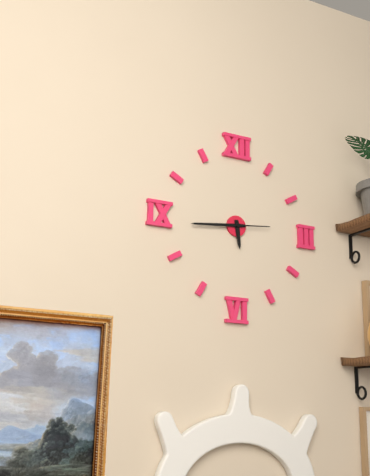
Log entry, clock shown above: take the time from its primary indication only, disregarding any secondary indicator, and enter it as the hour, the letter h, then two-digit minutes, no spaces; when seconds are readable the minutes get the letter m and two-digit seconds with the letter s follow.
5h44
